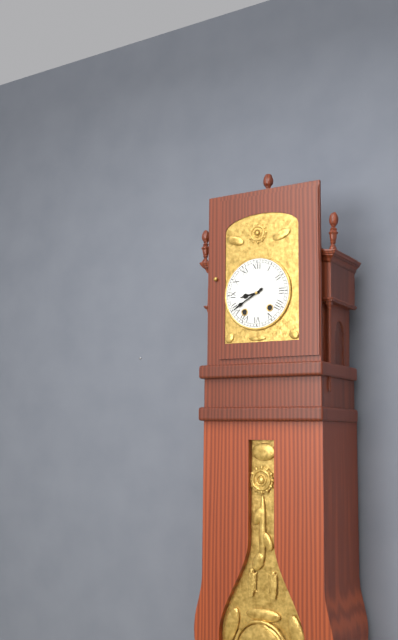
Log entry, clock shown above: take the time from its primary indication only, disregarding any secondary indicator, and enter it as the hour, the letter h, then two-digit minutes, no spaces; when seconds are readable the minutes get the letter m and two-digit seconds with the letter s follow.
8h40
